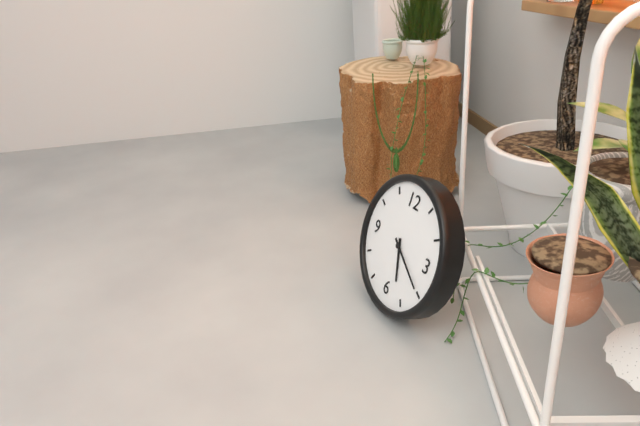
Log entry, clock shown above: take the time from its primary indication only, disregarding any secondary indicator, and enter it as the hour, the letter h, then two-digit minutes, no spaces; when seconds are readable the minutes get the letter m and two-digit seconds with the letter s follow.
5h20
